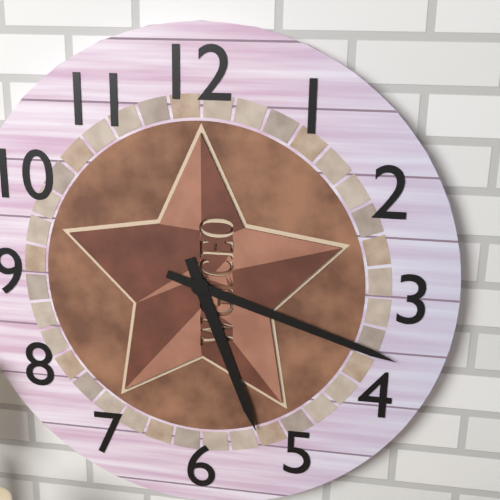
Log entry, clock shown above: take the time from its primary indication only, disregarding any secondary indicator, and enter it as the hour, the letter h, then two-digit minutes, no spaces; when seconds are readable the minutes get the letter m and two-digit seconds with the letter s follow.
5h18
